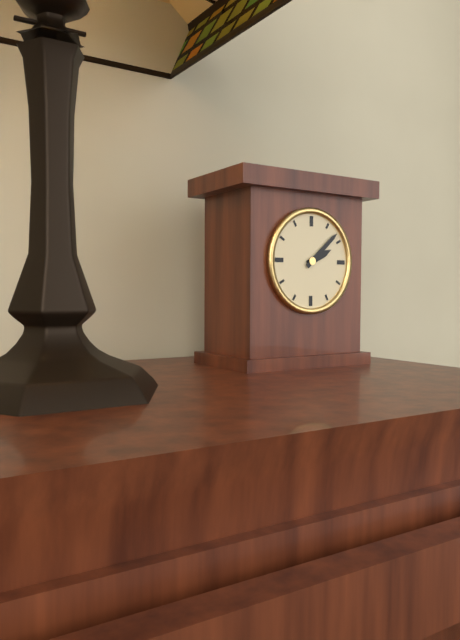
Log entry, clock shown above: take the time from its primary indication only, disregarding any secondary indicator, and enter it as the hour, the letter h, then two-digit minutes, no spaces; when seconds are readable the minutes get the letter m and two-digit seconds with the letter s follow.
2h08
